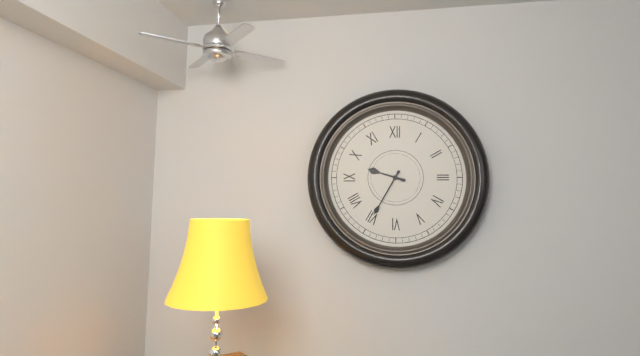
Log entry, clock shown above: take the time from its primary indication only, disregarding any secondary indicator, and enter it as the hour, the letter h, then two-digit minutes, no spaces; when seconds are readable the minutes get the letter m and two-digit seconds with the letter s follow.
9h35
